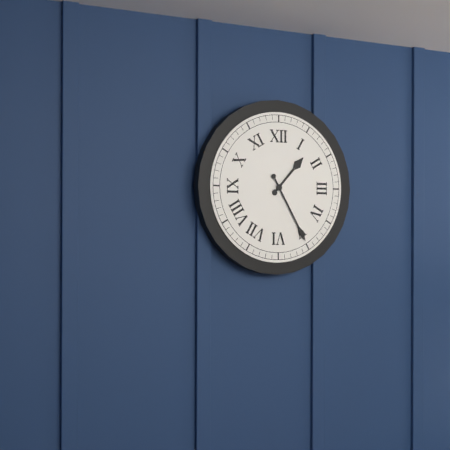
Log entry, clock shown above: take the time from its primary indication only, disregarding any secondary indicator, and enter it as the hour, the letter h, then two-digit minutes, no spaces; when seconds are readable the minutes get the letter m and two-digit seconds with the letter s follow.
1h25
